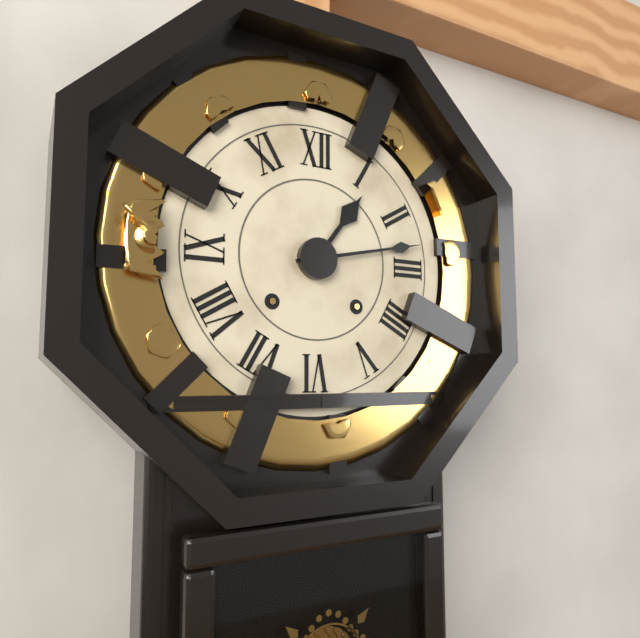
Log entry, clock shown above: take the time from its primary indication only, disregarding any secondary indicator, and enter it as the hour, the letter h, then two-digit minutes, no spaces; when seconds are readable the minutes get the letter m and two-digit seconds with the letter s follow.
1h13
